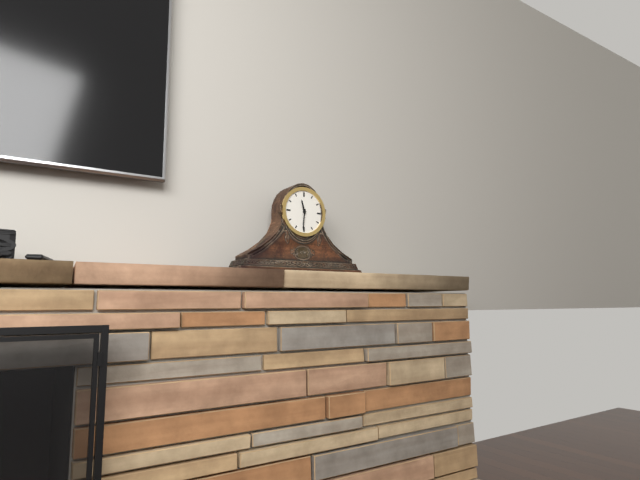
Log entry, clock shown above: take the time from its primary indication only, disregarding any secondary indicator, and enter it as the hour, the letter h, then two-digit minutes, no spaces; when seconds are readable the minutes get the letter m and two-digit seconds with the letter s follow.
11h31
